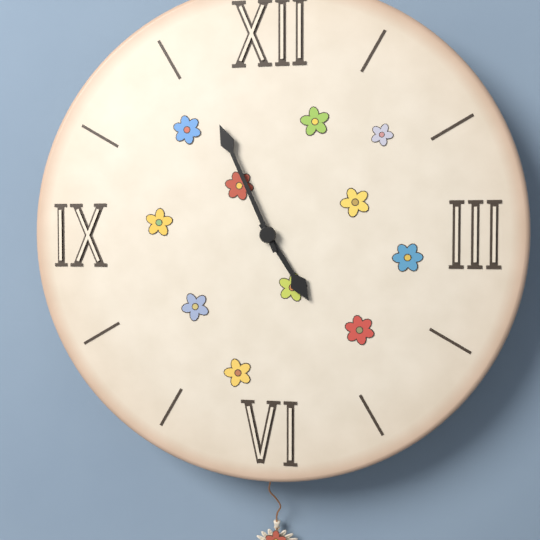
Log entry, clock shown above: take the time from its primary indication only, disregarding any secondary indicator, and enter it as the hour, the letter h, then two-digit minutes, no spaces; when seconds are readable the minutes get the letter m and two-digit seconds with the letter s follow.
4h56
